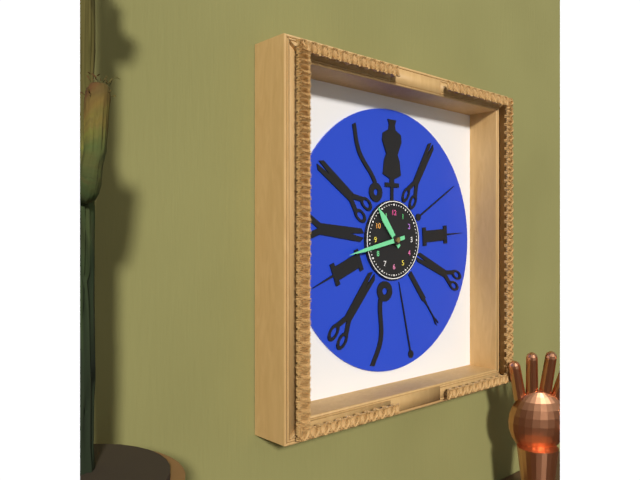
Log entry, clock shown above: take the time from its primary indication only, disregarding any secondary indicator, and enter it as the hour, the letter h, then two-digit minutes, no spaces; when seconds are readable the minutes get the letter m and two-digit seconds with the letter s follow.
10h43
